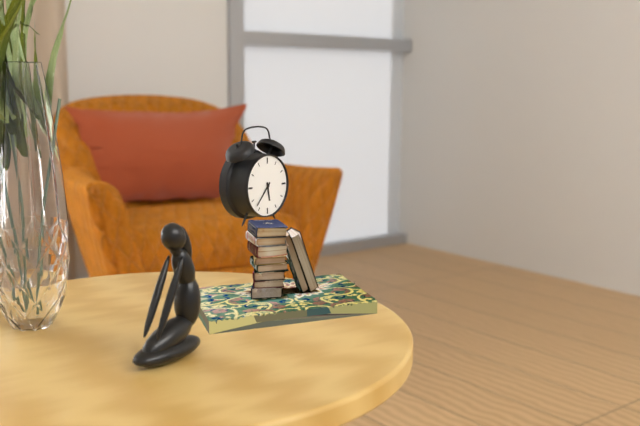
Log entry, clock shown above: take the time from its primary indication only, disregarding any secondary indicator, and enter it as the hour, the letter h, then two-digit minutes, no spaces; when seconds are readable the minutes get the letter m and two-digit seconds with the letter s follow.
5h37
